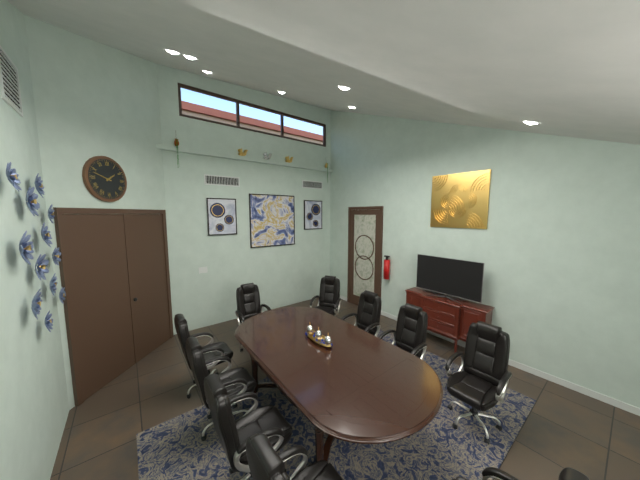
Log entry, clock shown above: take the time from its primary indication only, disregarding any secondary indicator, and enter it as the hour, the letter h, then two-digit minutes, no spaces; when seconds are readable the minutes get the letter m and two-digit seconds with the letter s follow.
1h48
